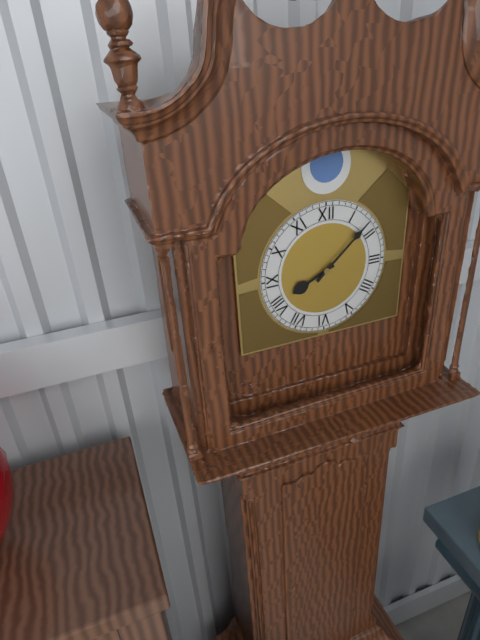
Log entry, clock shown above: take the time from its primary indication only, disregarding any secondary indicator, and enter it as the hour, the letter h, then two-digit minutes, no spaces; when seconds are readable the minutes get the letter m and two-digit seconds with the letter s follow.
8h08
